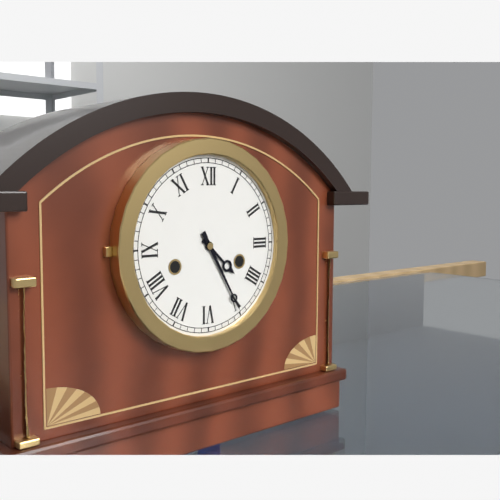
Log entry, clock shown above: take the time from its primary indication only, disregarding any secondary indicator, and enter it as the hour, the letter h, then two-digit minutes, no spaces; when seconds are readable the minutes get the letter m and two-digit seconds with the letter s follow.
4h25
